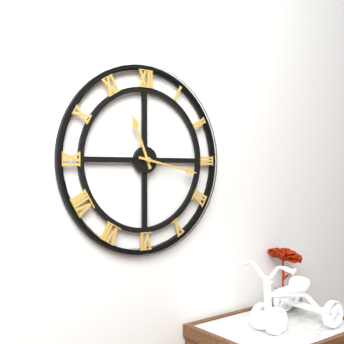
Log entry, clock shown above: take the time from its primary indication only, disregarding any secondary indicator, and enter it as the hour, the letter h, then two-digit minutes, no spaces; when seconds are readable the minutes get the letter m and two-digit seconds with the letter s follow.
11h17
